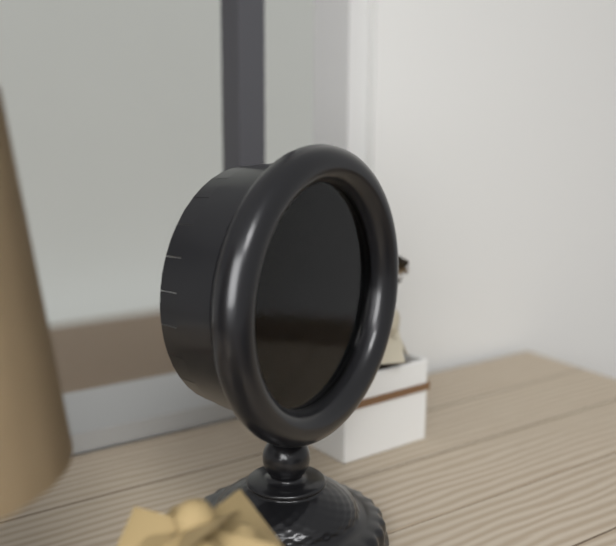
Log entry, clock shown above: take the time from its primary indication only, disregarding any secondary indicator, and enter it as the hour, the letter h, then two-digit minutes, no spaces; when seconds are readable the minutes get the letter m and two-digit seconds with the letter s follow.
7h31
